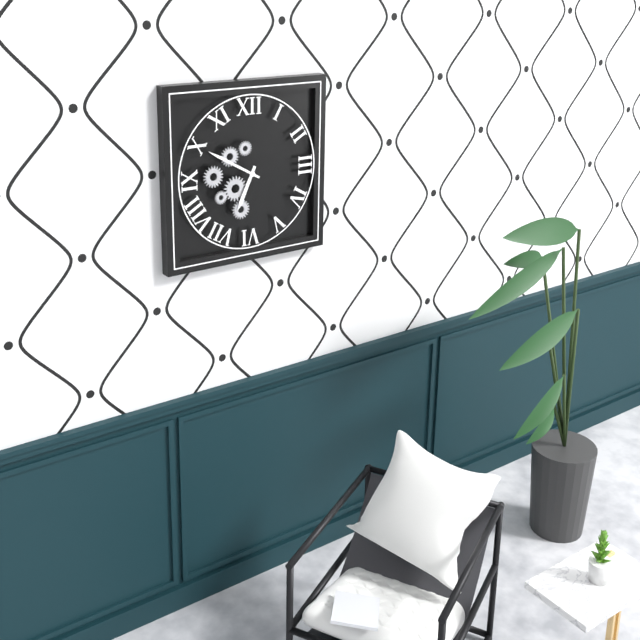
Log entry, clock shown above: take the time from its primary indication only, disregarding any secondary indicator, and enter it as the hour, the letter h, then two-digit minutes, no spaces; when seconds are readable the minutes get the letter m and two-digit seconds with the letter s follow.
6h50
